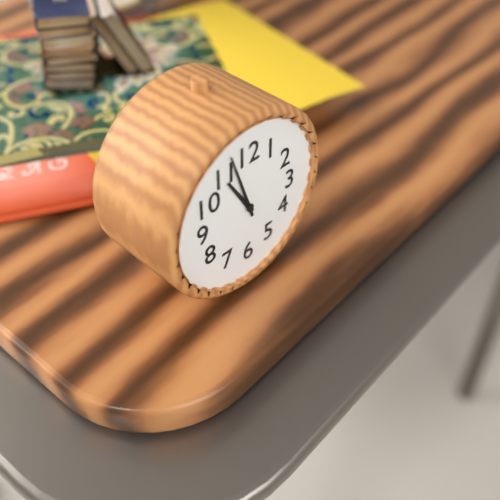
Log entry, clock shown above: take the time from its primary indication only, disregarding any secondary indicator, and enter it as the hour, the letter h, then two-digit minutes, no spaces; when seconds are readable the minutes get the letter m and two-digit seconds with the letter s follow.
10h57
